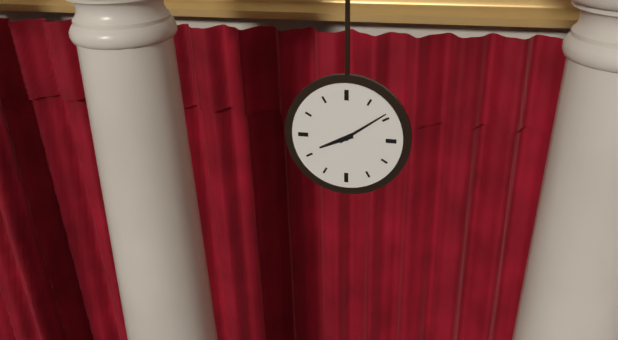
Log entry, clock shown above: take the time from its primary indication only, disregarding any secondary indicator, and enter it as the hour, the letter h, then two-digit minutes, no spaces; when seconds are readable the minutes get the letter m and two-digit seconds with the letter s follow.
8h09
